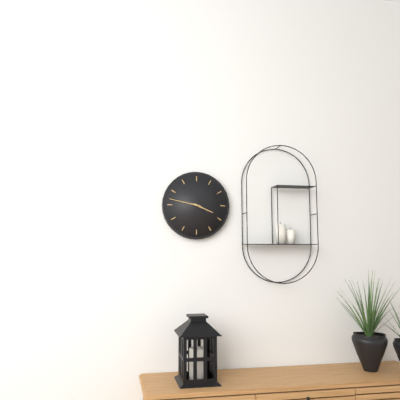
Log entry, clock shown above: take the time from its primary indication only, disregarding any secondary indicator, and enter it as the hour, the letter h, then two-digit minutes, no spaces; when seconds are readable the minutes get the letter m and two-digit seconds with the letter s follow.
3h47
